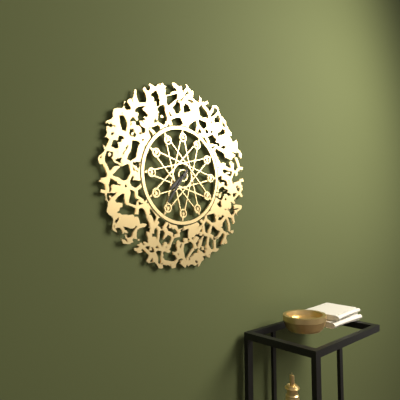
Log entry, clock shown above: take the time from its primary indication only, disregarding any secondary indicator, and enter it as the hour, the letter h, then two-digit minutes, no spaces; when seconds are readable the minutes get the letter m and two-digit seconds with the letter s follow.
7h36
